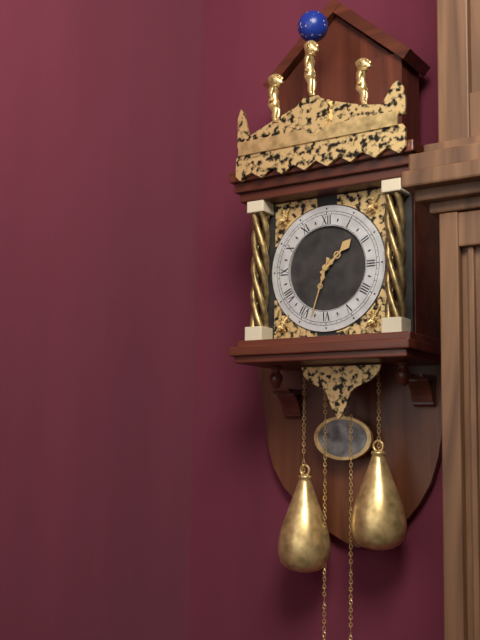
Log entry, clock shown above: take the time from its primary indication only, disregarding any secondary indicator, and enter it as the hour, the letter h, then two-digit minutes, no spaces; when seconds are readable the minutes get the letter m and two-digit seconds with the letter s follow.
1h33
